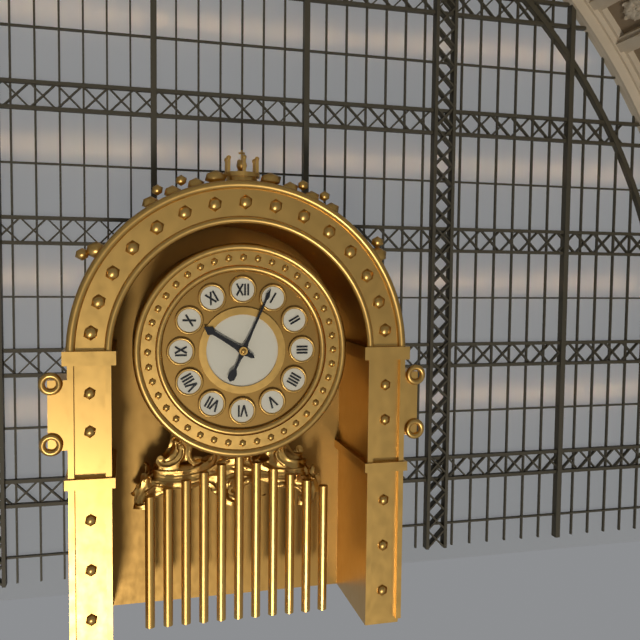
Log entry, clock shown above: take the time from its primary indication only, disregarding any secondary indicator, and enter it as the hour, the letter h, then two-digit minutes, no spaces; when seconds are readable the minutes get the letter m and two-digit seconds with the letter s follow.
10h04
